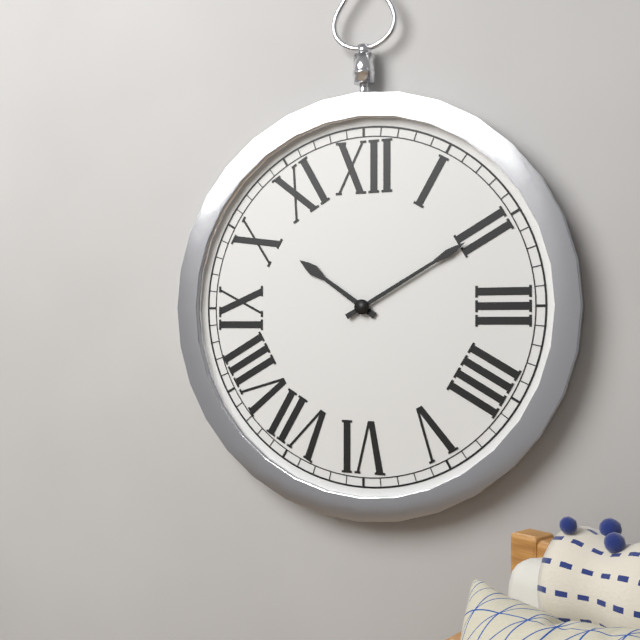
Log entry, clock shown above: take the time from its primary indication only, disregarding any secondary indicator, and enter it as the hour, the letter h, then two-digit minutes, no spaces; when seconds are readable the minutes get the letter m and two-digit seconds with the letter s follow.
10h10
